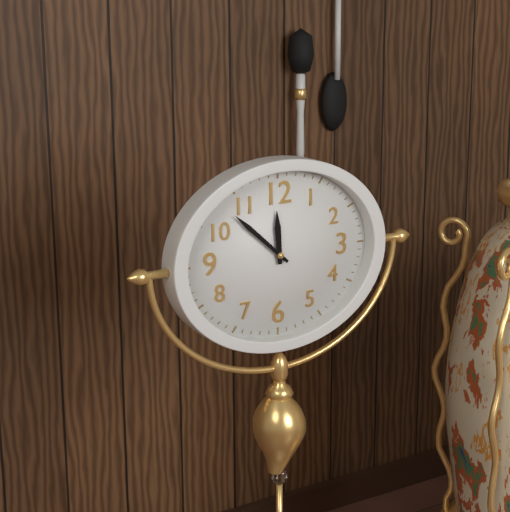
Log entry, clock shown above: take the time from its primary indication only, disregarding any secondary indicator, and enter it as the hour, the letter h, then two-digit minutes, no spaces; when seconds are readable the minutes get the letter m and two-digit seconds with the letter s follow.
11h52
